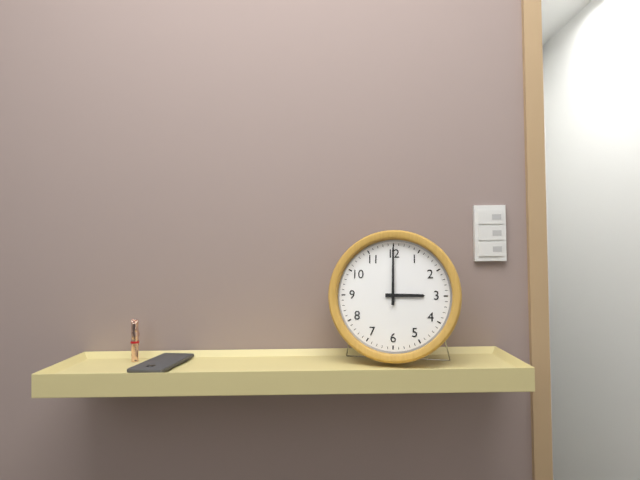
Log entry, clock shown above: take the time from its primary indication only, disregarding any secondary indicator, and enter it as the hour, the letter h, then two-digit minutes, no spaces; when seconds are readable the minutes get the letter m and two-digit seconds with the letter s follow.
3h00
